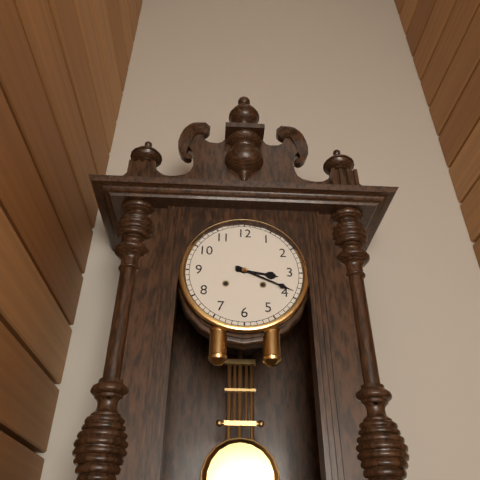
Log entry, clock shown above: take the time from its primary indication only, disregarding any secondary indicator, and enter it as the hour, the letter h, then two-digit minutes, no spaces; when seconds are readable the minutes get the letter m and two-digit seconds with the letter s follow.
3h19
